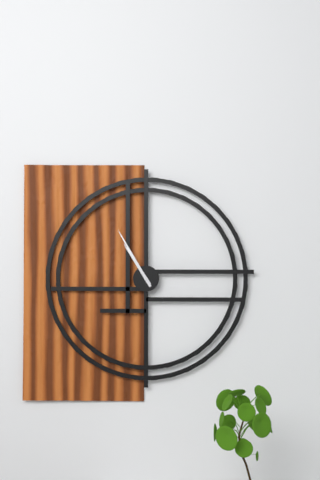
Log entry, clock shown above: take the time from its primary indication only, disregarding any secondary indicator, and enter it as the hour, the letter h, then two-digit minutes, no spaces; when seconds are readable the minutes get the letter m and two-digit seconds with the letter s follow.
10h55
